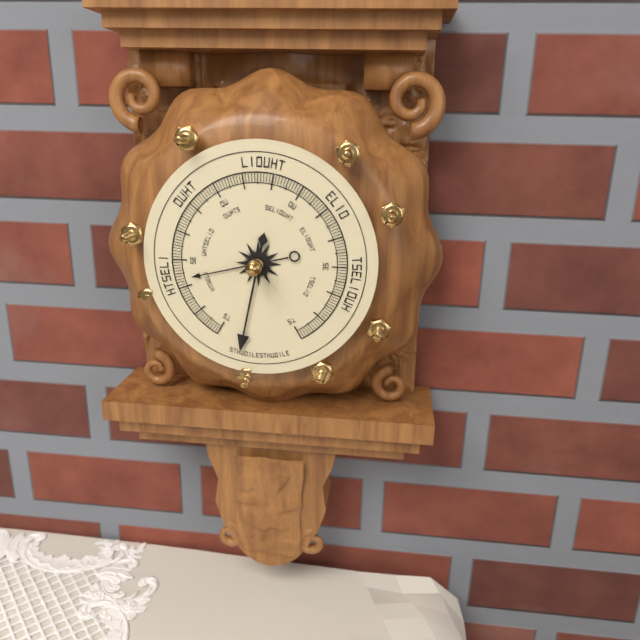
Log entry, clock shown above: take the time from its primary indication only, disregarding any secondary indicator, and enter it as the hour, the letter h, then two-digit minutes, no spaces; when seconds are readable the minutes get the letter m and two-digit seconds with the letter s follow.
8h32
